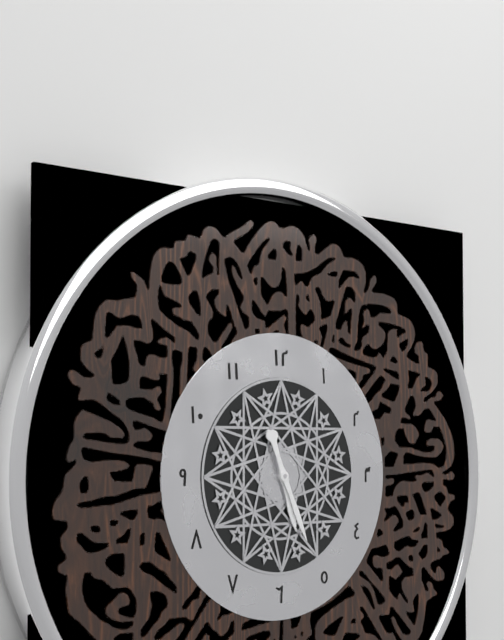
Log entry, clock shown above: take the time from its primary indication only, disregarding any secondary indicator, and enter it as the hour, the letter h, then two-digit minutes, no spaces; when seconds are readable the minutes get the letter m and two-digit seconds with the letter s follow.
5h26
